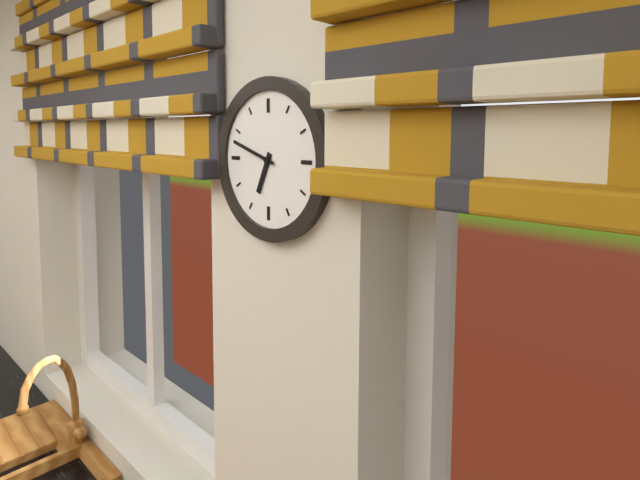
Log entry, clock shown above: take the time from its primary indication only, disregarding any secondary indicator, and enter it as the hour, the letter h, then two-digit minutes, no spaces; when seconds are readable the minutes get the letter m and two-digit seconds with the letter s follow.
6h48
